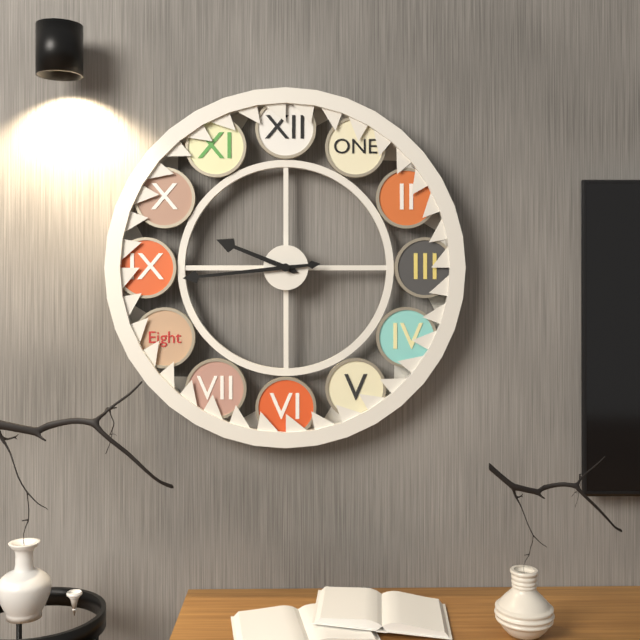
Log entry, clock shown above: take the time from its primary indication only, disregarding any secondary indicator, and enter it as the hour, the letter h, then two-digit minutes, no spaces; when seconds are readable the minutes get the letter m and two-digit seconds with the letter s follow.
9h44
